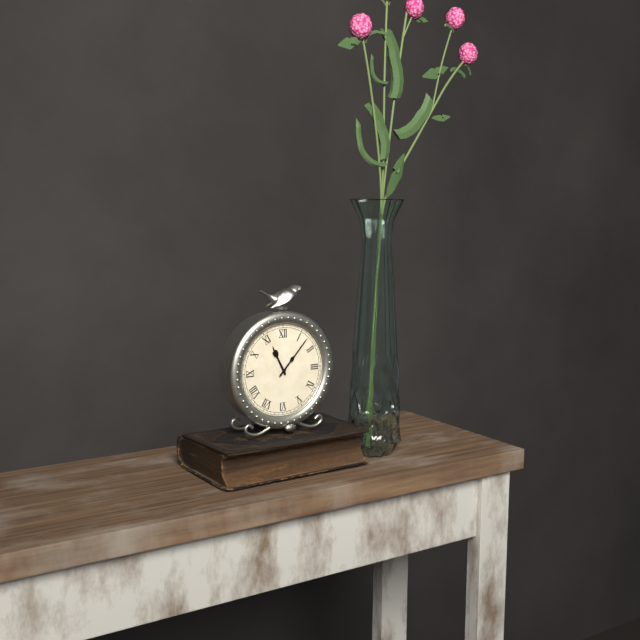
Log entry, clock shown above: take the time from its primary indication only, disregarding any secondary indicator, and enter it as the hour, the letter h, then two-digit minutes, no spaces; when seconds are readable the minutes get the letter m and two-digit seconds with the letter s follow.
11h07
